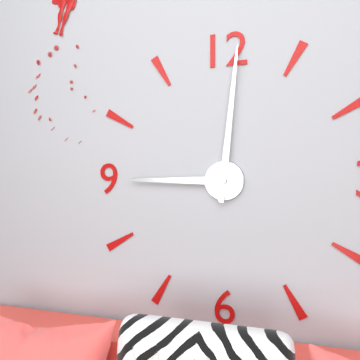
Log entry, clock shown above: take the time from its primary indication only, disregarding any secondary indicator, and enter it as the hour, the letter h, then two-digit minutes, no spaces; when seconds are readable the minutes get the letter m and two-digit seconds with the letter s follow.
9h01
